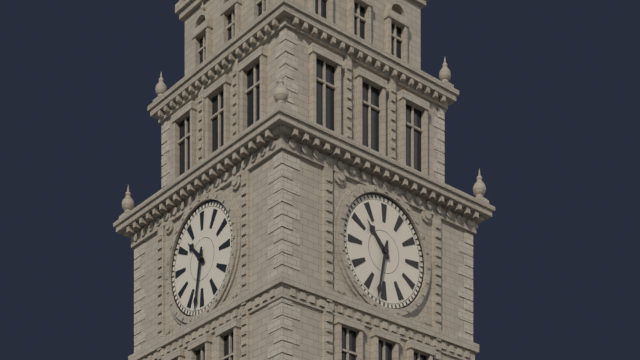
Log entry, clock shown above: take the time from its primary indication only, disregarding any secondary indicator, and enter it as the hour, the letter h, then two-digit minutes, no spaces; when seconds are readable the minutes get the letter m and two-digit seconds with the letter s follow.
10h32
